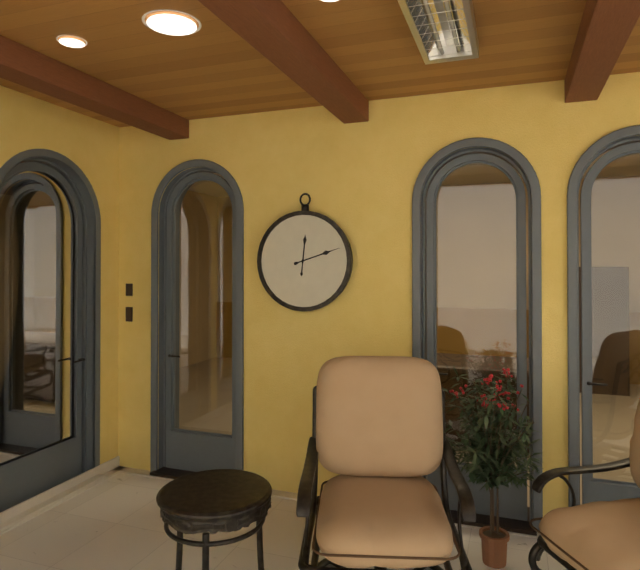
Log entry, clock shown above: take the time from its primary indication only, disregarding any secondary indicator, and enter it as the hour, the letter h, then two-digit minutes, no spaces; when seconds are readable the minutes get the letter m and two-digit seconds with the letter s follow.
12h12
